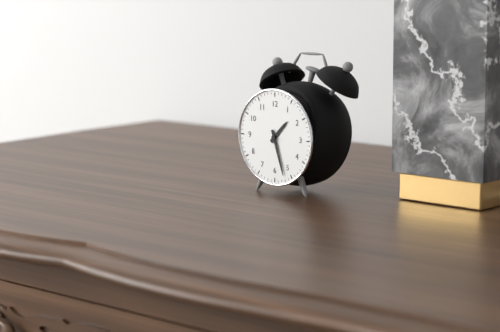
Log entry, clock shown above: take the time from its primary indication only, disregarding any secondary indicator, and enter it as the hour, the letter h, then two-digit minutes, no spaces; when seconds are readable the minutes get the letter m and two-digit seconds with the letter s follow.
1h27
